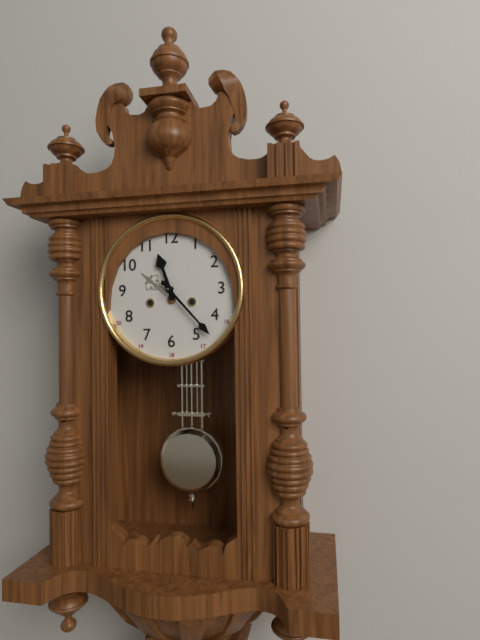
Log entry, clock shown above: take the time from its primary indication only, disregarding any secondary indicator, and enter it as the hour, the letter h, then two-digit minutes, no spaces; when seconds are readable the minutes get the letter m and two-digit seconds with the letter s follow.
11h23
